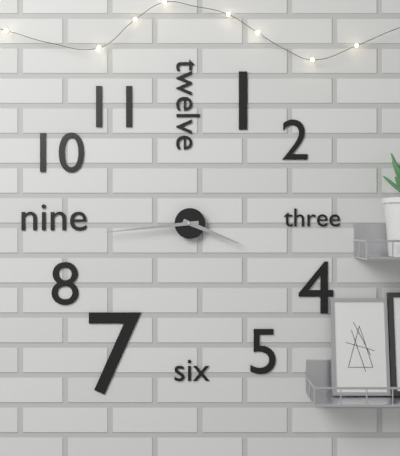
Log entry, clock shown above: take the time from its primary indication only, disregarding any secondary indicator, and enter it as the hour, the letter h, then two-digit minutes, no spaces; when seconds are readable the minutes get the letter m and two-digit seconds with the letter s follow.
3h44
